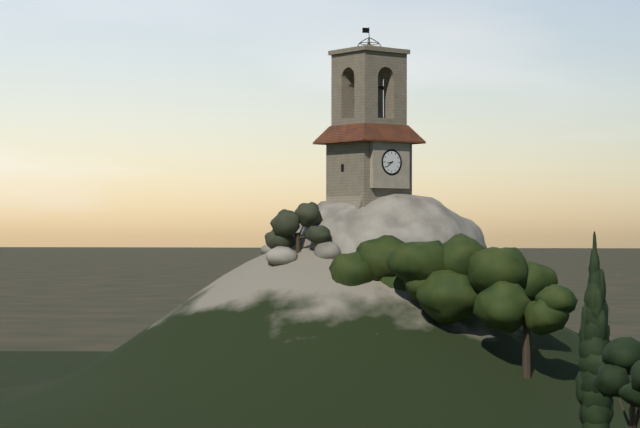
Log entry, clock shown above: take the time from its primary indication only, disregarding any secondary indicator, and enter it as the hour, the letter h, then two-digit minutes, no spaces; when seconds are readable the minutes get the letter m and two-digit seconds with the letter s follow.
8h39
